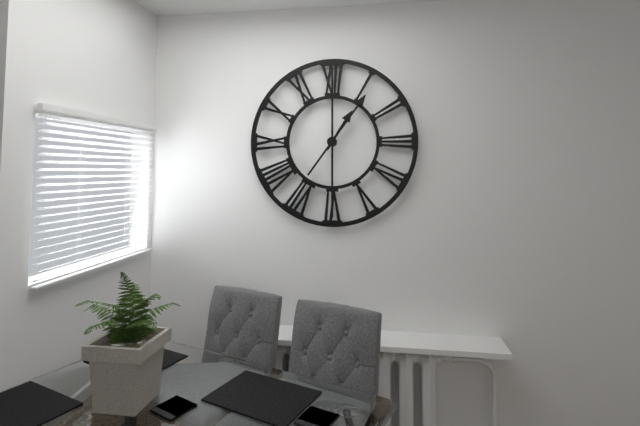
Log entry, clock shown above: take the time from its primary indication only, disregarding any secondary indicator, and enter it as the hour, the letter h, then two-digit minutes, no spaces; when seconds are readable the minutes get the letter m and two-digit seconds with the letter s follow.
1h06
